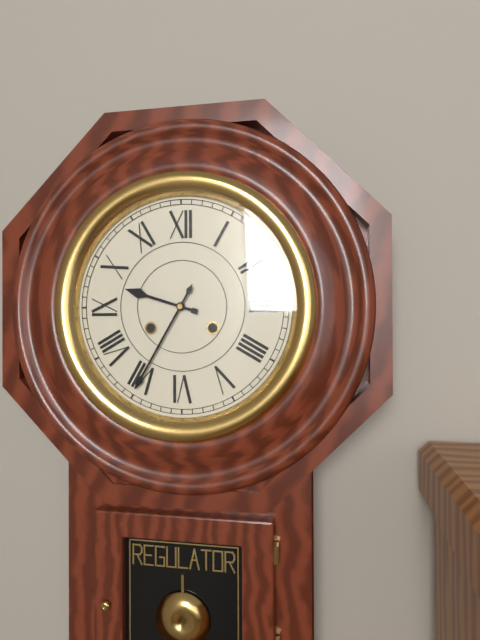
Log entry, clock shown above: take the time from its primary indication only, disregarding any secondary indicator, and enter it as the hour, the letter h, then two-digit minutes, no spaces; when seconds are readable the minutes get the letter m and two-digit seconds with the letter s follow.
9h35
